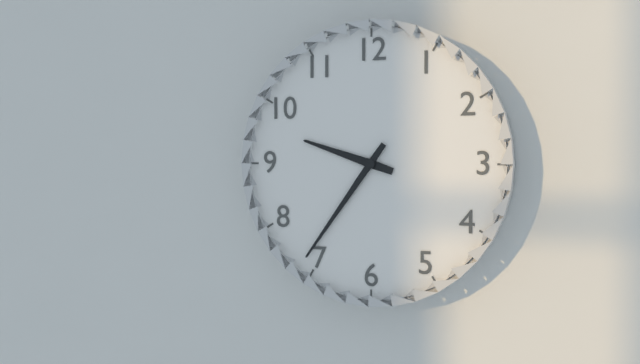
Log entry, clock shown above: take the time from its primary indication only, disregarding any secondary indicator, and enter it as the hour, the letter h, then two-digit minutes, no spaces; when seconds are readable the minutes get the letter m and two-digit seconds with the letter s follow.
9h36
